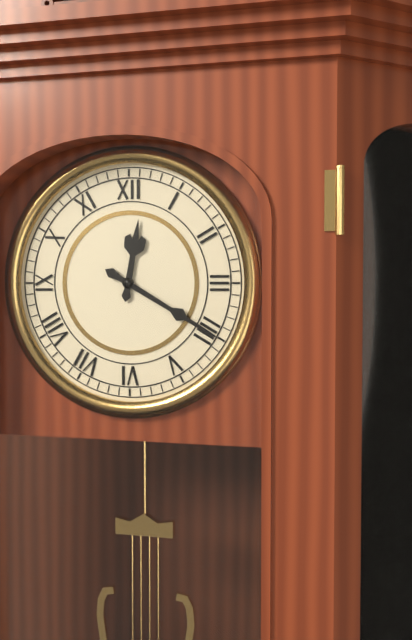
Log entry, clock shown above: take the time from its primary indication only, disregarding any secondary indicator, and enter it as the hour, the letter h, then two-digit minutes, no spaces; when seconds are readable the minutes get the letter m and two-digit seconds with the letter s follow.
12h20
